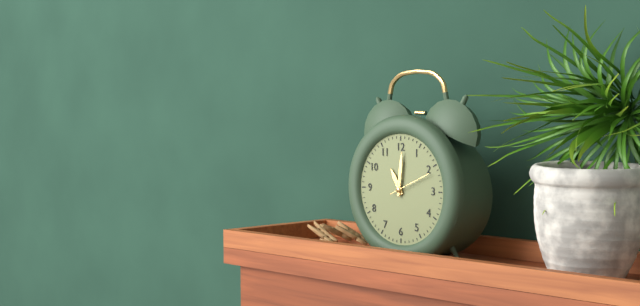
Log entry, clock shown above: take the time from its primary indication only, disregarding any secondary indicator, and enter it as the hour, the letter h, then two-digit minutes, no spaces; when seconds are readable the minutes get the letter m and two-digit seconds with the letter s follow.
11h01
